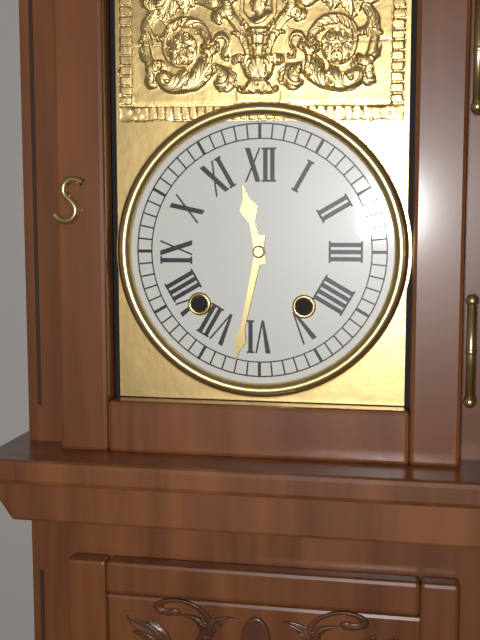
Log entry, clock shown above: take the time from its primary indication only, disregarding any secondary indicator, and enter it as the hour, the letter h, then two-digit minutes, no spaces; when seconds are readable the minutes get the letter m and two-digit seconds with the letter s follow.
11h32
